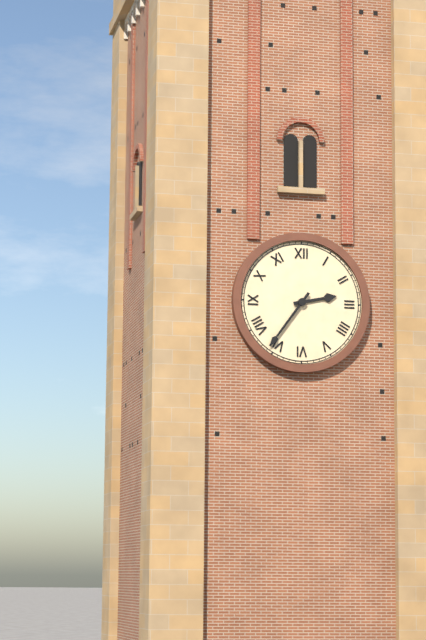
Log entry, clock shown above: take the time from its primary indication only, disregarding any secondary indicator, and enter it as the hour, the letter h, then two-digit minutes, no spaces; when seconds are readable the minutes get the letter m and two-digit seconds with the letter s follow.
2h36
